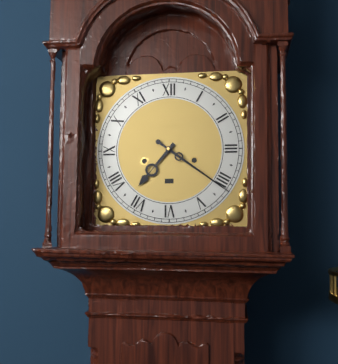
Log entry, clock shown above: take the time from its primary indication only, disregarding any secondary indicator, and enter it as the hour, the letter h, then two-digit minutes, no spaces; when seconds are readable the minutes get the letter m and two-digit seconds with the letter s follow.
7h21
